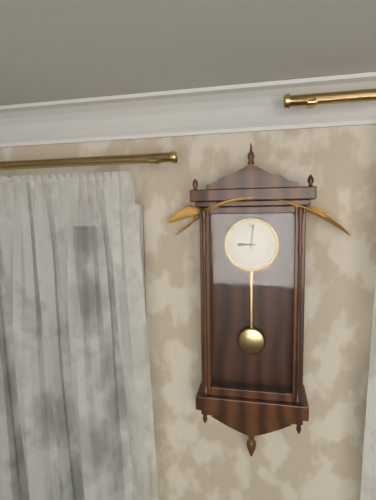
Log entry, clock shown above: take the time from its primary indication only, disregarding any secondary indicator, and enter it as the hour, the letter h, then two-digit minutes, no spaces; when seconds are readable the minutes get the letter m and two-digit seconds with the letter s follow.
9h01
